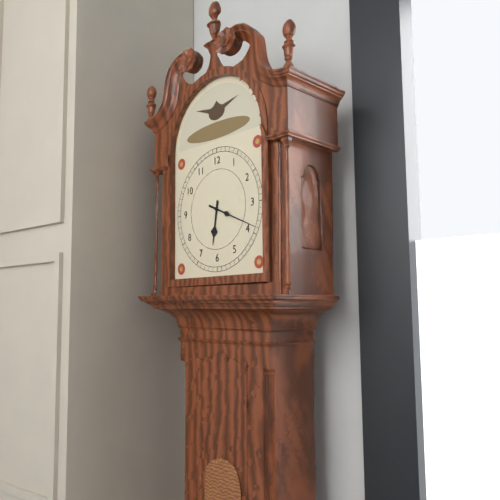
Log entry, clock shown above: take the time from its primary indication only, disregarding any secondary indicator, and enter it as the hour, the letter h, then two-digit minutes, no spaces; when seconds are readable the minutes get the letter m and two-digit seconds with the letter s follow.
6h19
